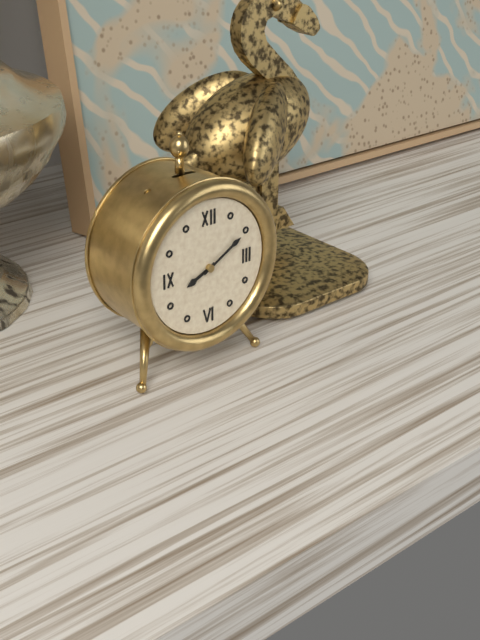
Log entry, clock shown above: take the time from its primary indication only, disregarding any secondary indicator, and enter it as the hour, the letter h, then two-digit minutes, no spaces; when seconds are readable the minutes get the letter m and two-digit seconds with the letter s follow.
8h10
